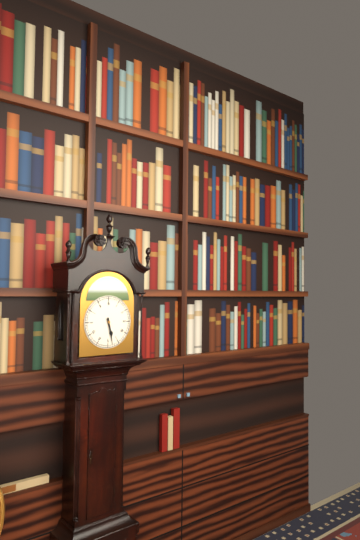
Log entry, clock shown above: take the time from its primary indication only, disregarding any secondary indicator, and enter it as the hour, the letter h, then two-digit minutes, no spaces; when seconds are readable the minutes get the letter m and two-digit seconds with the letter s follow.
5h28
